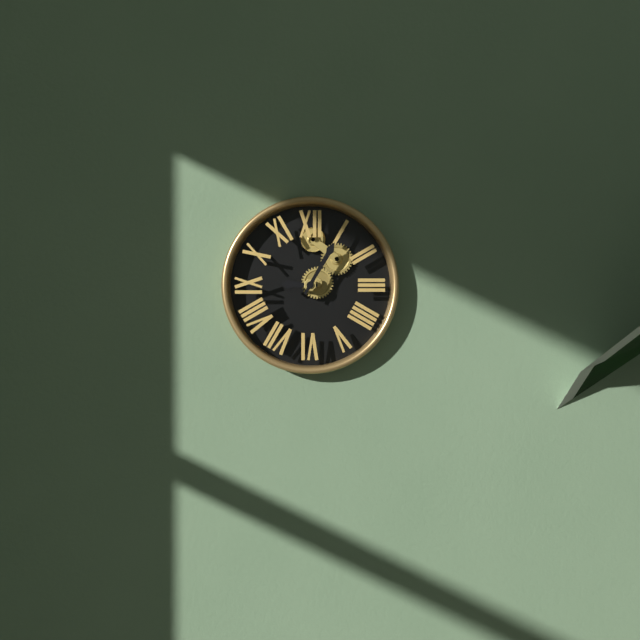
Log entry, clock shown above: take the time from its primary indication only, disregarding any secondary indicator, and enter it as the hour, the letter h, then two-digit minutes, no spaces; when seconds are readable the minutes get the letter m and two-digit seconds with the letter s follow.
9h05
